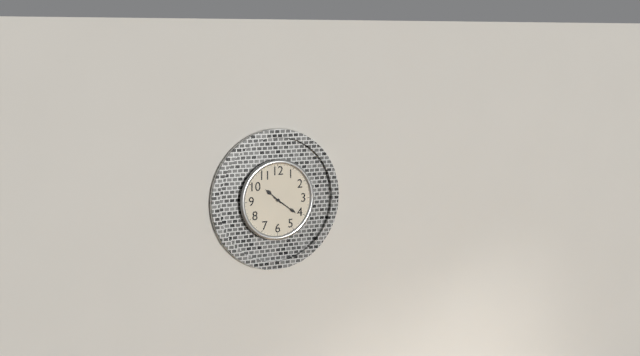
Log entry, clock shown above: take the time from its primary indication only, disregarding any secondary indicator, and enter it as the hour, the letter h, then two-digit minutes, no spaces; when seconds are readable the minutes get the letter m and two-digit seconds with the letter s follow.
10h21
